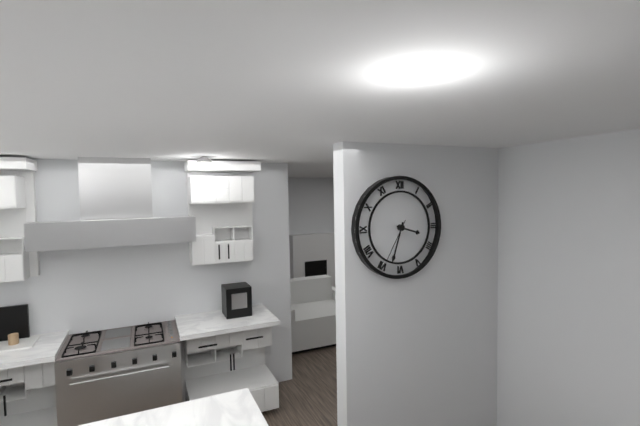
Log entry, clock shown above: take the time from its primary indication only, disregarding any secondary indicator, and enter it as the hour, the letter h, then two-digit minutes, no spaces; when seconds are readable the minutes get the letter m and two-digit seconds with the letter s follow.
3h33
